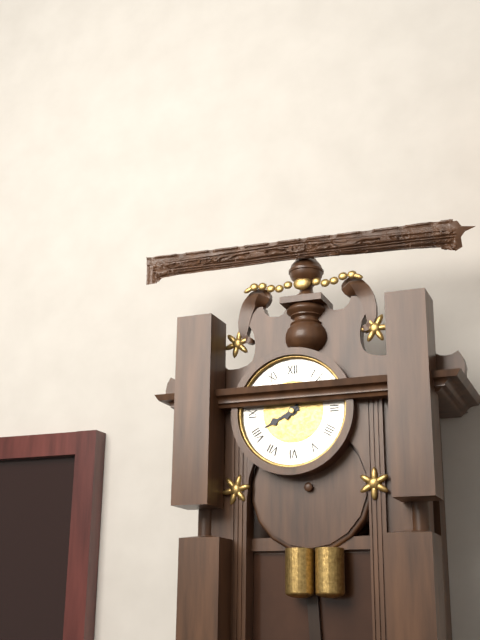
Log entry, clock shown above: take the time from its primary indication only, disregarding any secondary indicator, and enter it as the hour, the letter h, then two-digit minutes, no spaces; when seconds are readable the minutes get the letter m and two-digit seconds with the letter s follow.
8h07
